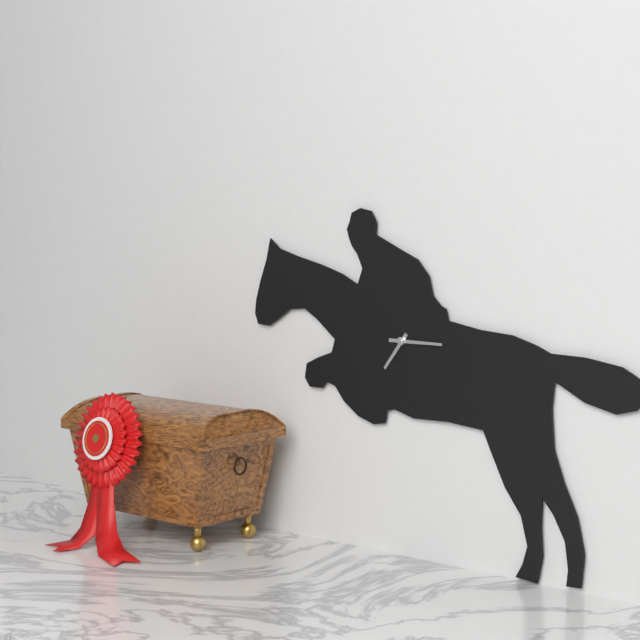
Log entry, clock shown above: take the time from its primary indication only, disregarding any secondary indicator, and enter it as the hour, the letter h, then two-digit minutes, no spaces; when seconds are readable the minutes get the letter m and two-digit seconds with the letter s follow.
7h15
